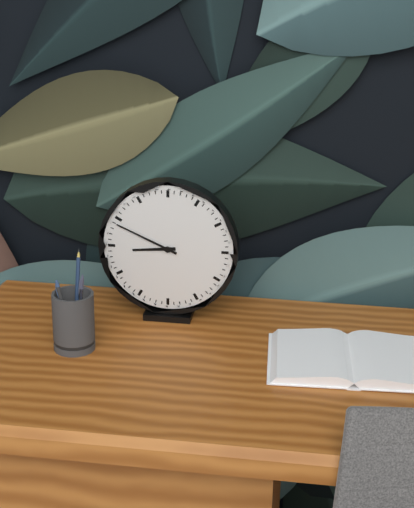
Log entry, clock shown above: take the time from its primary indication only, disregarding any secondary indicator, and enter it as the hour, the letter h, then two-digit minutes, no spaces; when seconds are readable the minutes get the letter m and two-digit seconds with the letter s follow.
8h49
